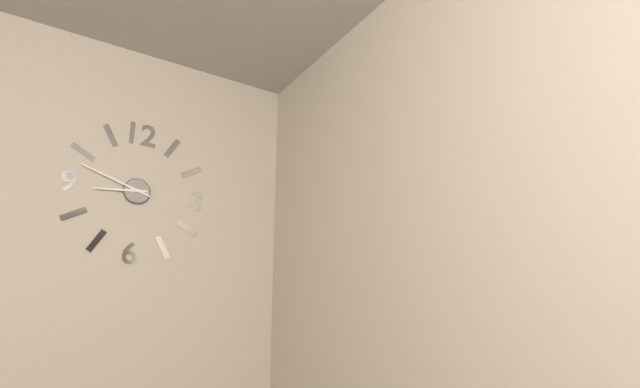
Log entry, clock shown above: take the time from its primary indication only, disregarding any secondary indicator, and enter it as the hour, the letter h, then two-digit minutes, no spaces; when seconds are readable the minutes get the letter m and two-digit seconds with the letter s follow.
8h48
